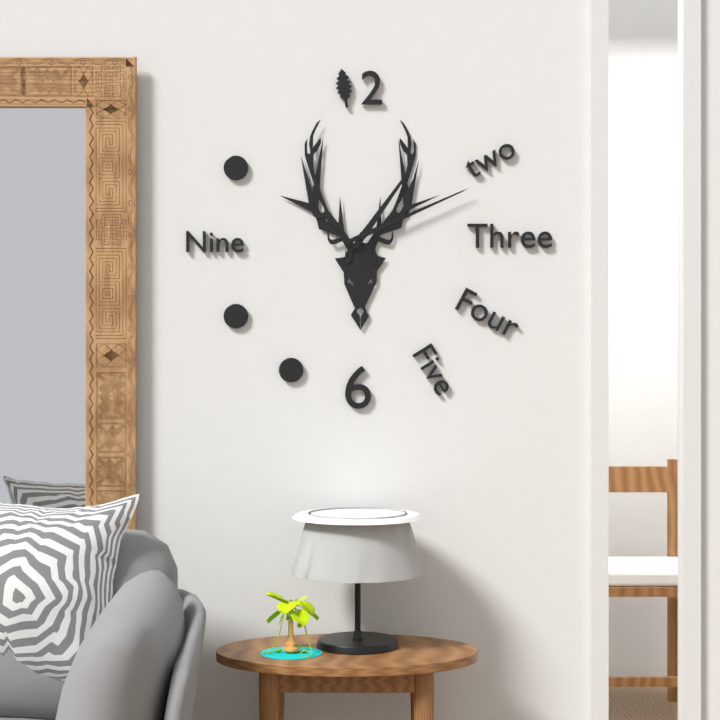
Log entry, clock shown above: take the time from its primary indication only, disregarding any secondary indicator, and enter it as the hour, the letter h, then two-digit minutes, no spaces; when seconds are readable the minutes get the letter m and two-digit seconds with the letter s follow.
1h11
